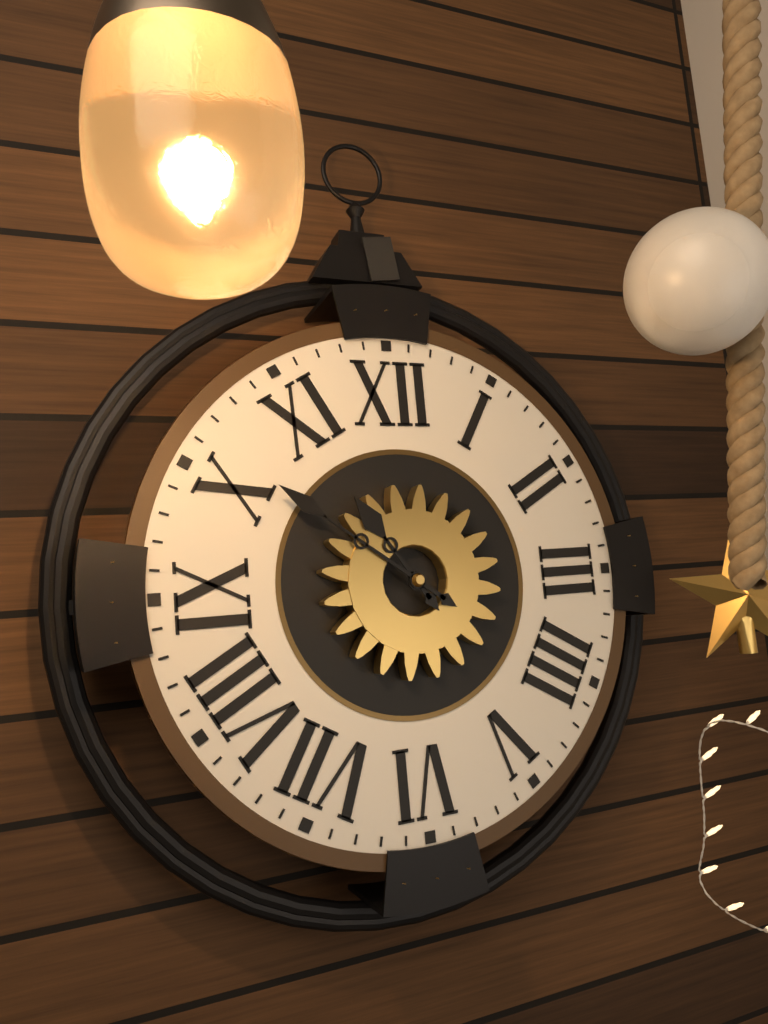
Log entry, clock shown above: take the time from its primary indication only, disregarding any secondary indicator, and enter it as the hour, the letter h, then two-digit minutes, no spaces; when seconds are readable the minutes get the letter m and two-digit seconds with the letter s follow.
10h51
